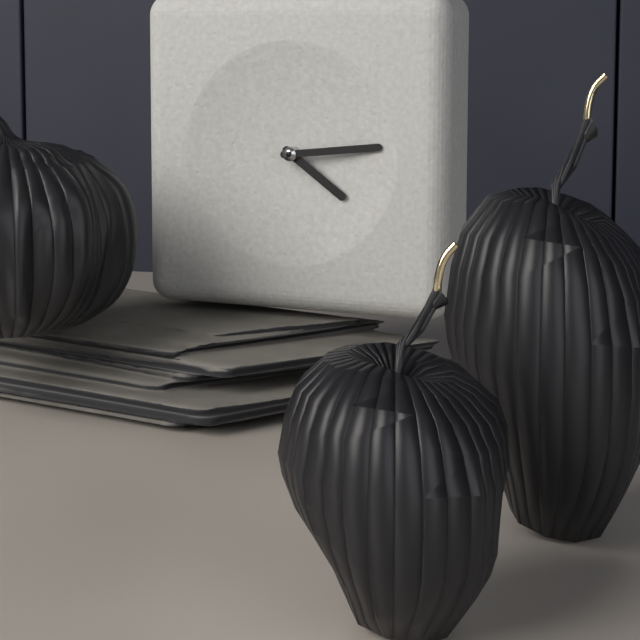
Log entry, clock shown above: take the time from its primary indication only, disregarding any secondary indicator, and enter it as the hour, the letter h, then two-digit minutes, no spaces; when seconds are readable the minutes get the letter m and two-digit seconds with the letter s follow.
4h14
